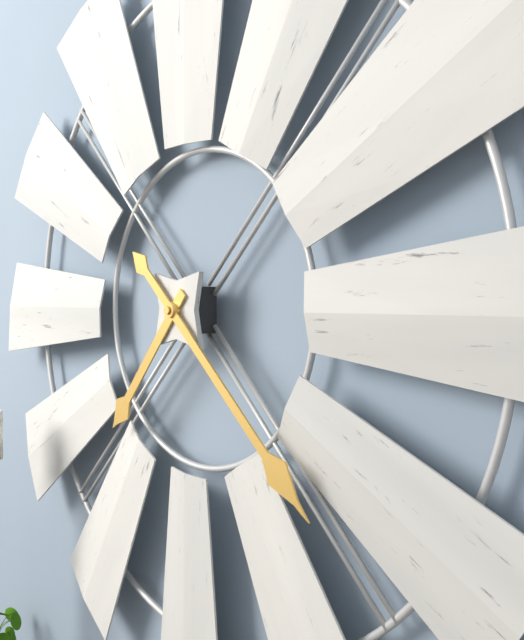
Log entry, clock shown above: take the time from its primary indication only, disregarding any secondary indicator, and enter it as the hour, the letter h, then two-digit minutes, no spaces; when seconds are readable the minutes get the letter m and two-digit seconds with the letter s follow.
7h22
